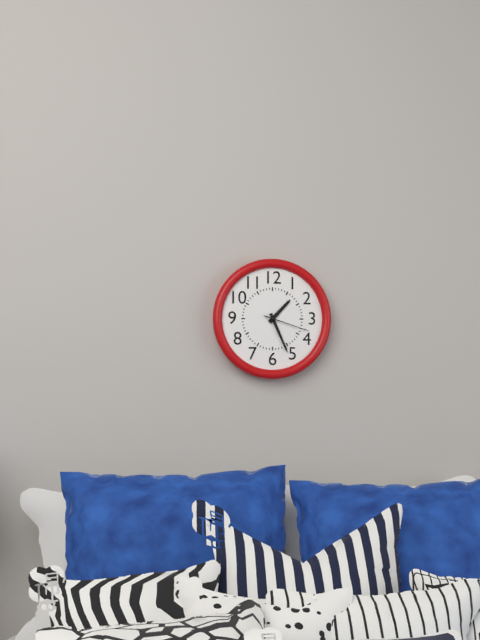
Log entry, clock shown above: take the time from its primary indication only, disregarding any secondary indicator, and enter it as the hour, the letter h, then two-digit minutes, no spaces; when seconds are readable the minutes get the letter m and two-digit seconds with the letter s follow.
1h26
